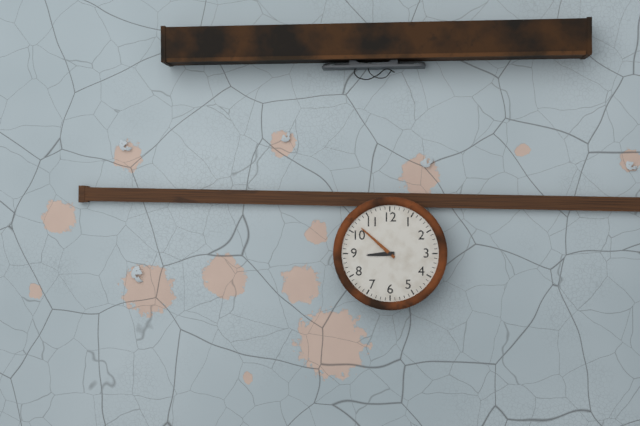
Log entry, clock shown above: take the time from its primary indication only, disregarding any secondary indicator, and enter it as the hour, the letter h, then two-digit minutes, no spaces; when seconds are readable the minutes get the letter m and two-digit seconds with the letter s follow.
8h52
